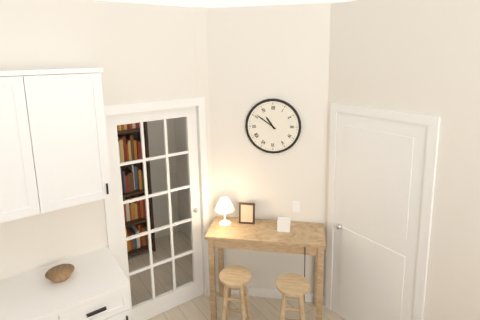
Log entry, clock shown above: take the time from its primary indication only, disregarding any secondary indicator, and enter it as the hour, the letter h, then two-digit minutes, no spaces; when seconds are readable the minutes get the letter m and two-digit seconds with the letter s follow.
10h51
